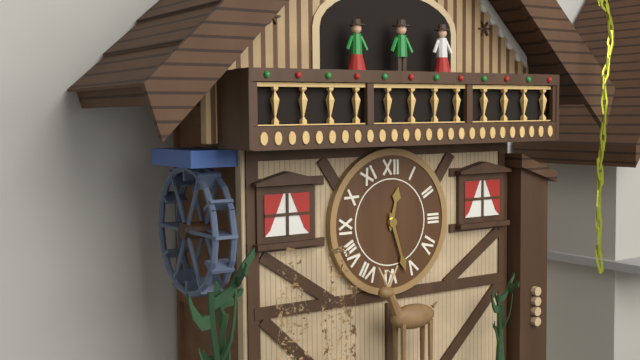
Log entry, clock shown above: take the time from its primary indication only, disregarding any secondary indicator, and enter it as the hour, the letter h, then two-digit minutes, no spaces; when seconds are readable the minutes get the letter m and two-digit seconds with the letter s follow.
12h27
